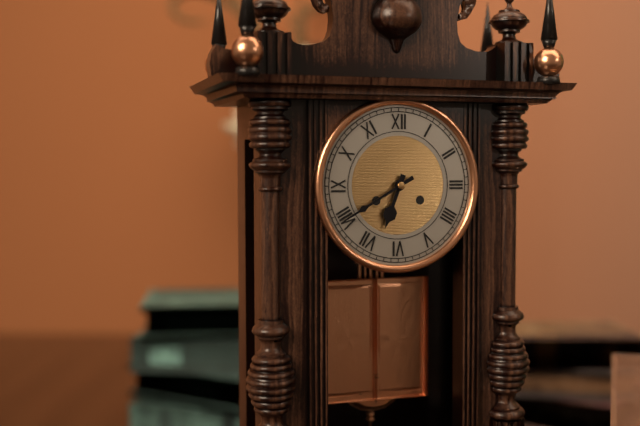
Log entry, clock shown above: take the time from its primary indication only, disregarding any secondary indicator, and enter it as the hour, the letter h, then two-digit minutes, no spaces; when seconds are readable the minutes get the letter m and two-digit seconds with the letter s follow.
6h40
